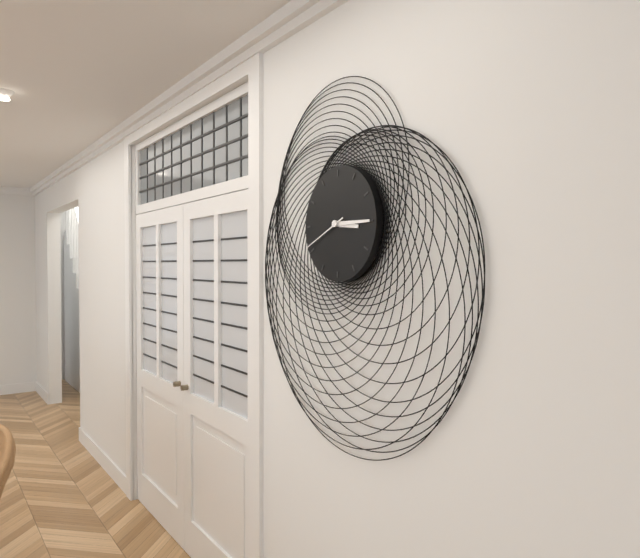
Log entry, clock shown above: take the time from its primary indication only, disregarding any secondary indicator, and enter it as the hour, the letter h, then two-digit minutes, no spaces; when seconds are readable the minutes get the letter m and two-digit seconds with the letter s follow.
3h15
